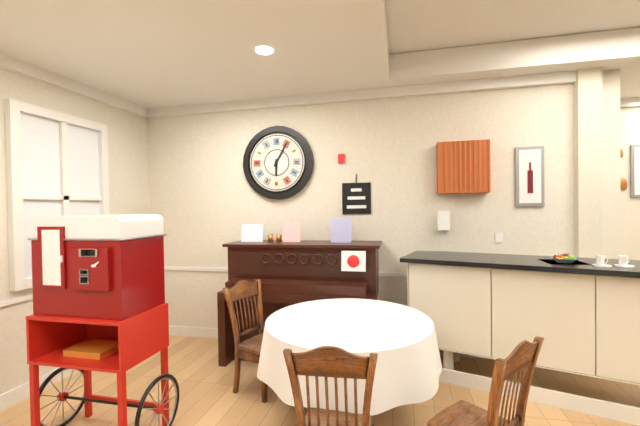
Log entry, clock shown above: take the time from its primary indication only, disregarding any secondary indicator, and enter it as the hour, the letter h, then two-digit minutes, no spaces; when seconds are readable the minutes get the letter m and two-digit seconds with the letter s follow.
6h05
